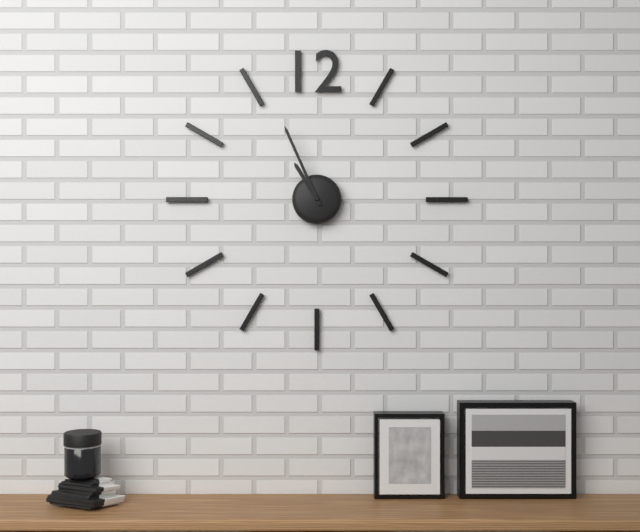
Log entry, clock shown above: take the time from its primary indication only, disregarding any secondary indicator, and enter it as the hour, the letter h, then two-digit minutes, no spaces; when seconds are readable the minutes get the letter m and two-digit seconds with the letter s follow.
10h56
